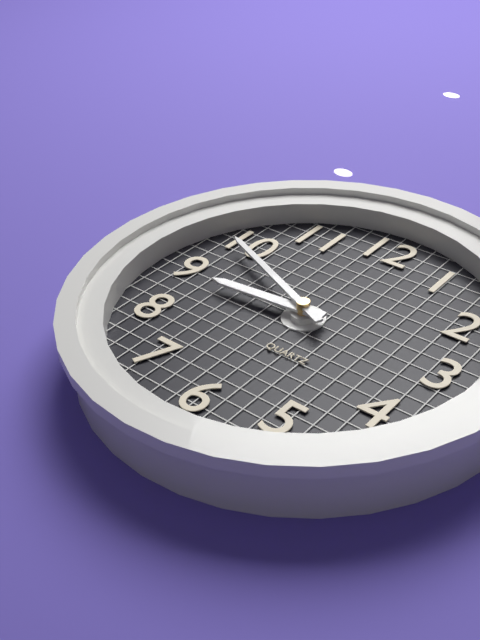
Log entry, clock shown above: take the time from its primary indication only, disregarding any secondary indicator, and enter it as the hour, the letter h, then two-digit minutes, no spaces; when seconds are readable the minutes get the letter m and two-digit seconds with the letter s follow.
8h49
